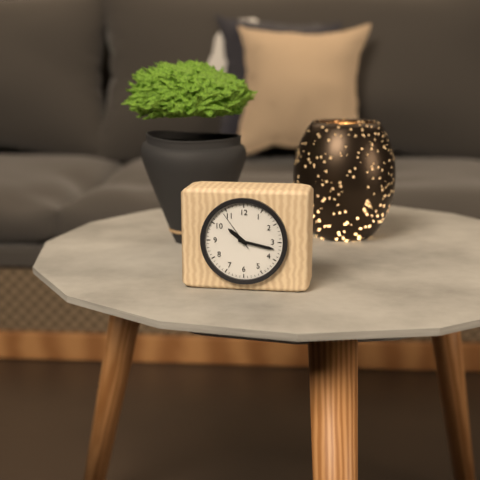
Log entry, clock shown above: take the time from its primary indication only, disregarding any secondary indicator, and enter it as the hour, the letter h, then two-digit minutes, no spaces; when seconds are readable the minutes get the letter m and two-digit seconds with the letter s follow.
10h17
